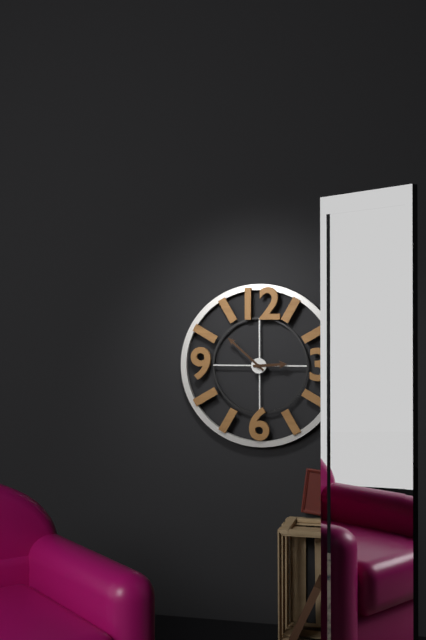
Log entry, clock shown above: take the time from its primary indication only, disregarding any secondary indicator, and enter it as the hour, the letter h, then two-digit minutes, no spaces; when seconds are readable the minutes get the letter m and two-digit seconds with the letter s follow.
2h52
